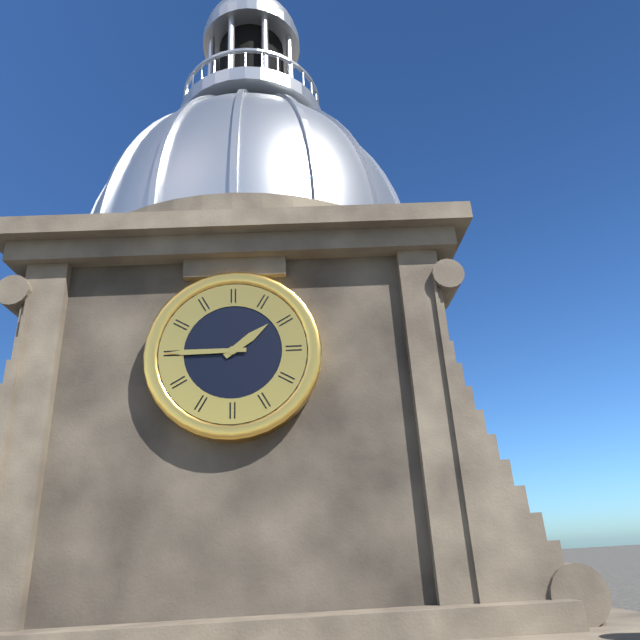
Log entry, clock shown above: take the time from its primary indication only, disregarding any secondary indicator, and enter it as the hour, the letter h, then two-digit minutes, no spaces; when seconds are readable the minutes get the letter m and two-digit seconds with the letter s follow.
1h45
